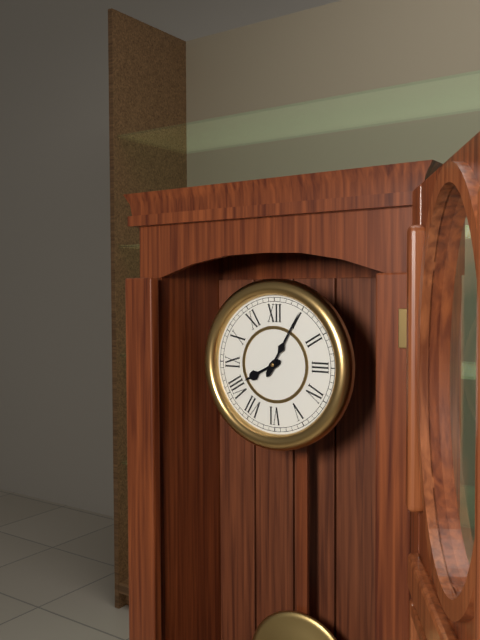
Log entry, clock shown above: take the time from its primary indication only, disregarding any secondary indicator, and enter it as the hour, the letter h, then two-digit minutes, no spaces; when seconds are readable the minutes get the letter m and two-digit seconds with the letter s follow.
8h05
